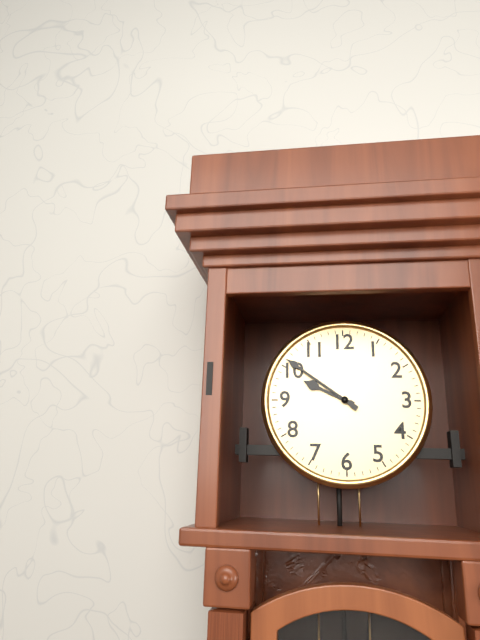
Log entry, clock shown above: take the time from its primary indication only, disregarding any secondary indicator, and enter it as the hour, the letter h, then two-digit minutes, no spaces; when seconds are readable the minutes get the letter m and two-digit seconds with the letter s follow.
9h51
